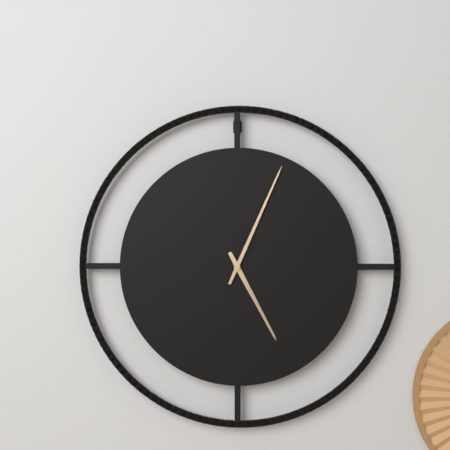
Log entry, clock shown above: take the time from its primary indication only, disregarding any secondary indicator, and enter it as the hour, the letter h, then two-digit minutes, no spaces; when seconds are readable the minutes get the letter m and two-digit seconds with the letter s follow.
5h04
